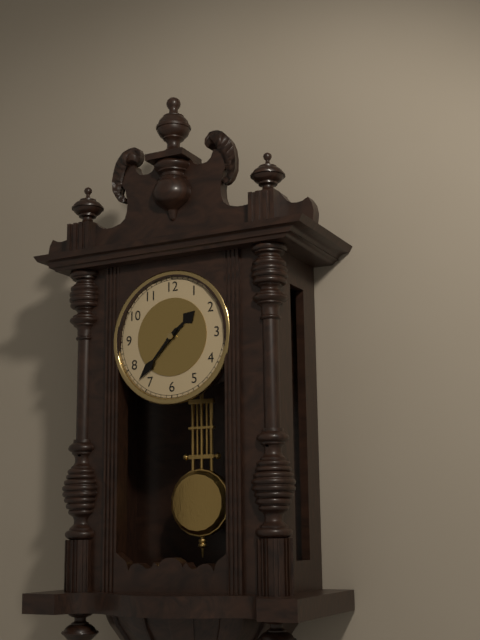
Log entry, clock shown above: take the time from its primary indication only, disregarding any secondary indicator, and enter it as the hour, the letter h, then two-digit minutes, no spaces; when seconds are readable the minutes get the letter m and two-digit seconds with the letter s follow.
1h37
